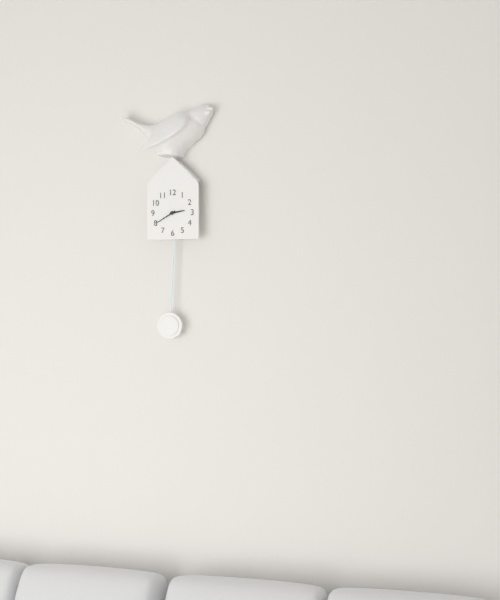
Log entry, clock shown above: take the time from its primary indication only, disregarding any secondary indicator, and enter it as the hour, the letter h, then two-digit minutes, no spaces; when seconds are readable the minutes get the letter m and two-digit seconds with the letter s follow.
2h40
